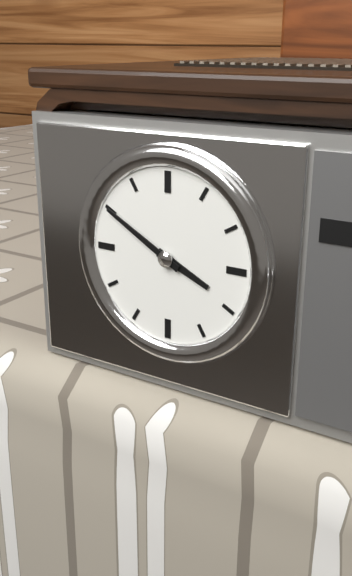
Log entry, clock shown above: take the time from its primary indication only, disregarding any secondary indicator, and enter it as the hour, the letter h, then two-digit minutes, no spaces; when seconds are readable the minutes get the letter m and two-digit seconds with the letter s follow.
3h50
